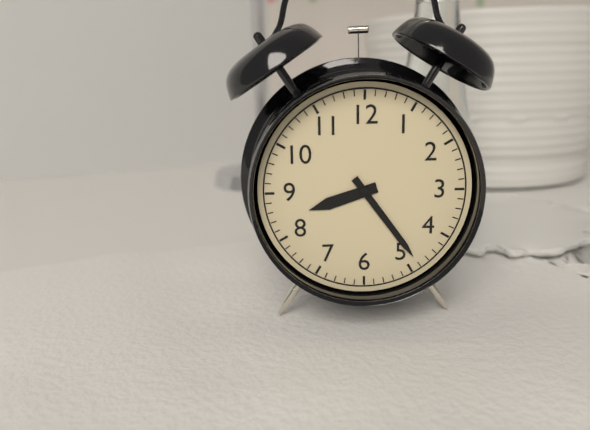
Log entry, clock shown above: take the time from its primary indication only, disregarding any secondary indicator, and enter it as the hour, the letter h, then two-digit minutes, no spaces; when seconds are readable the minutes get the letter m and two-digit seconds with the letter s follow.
8h24
